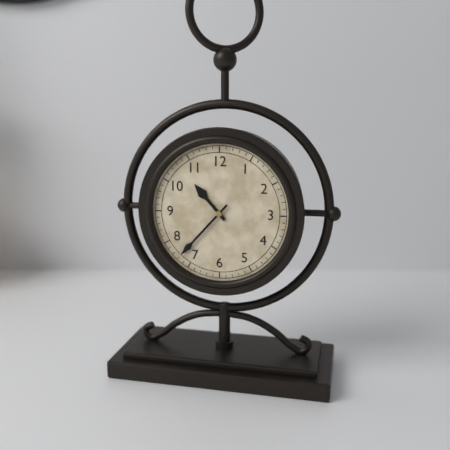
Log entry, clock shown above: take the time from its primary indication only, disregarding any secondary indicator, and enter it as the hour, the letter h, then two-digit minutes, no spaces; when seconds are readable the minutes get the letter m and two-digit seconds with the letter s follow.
10h37
